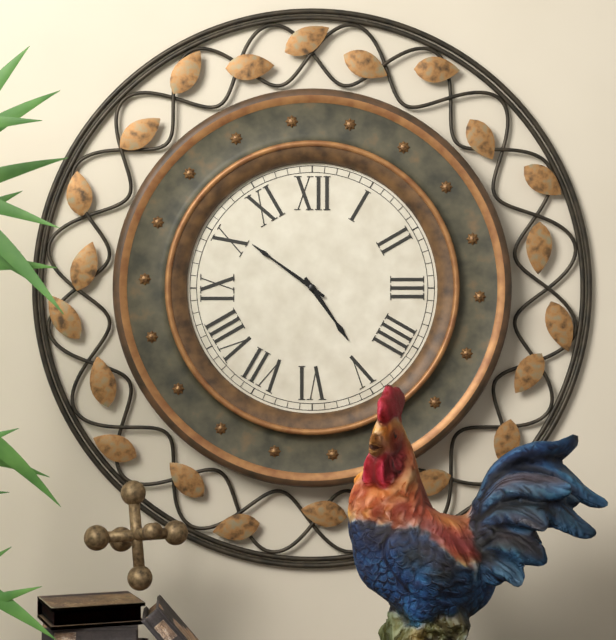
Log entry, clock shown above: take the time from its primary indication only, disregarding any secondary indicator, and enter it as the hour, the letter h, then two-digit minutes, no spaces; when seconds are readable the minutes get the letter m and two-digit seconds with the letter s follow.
4h51
